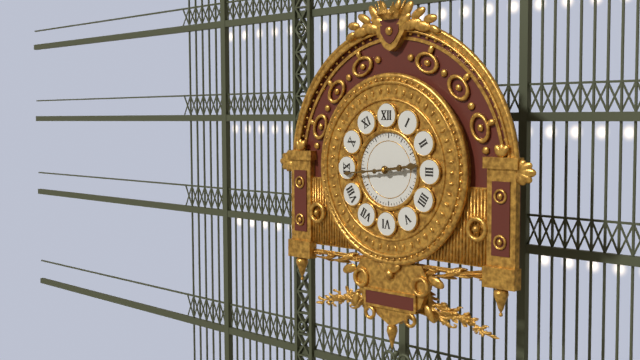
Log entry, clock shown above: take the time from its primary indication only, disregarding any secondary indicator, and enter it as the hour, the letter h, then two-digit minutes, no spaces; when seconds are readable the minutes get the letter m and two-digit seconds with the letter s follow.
2h44
